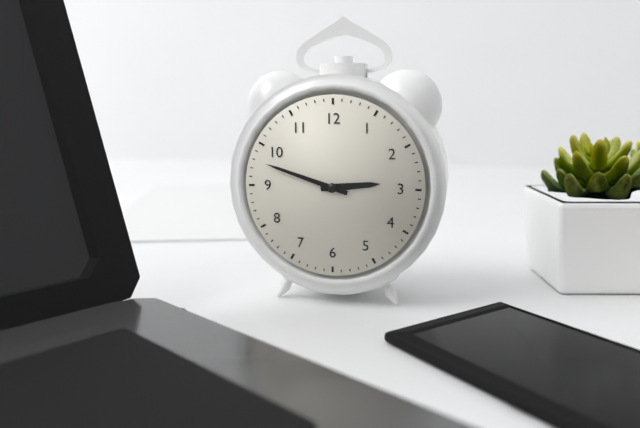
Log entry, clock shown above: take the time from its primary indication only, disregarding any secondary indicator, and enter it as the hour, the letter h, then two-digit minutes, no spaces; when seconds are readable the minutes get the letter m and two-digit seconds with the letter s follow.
2h48
